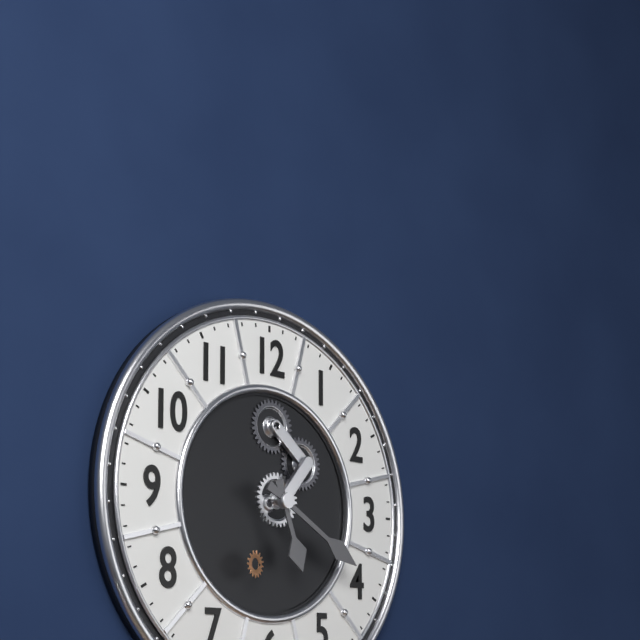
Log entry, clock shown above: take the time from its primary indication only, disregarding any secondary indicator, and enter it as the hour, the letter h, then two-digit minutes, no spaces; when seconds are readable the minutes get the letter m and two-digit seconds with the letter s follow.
5h20
